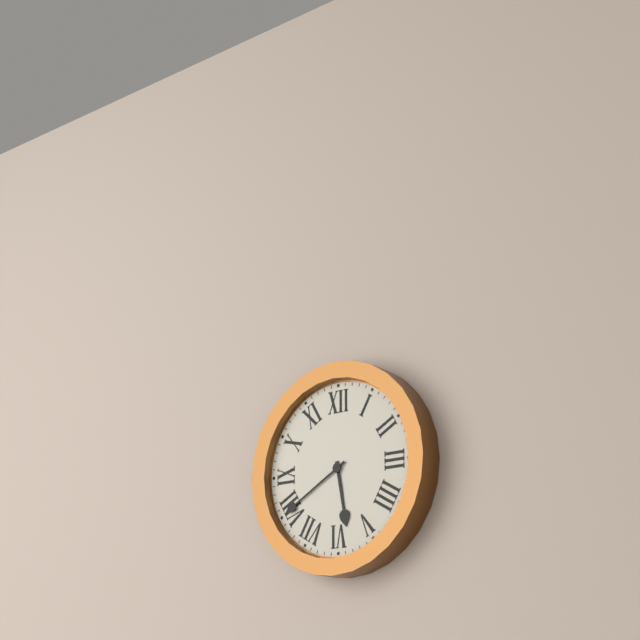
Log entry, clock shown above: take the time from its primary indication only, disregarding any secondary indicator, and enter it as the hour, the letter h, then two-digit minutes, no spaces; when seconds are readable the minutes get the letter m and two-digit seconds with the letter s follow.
5h40
